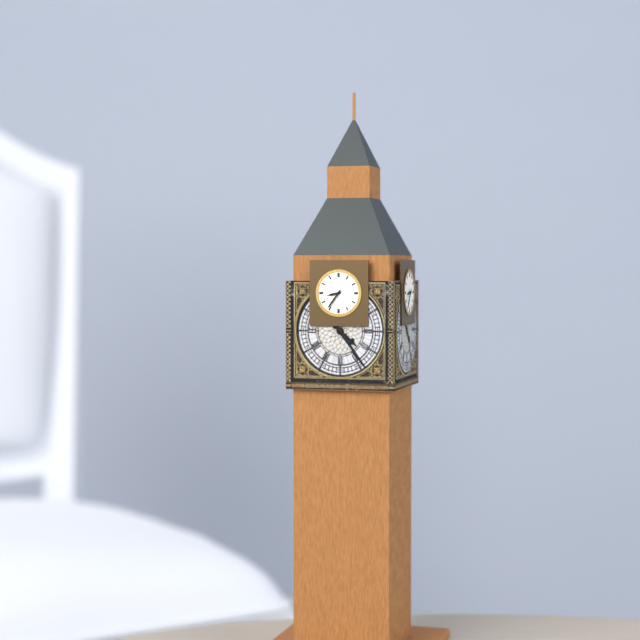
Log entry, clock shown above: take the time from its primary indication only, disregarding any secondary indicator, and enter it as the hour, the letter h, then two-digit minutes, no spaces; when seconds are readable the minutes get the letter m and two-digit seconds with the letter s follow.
8h36
